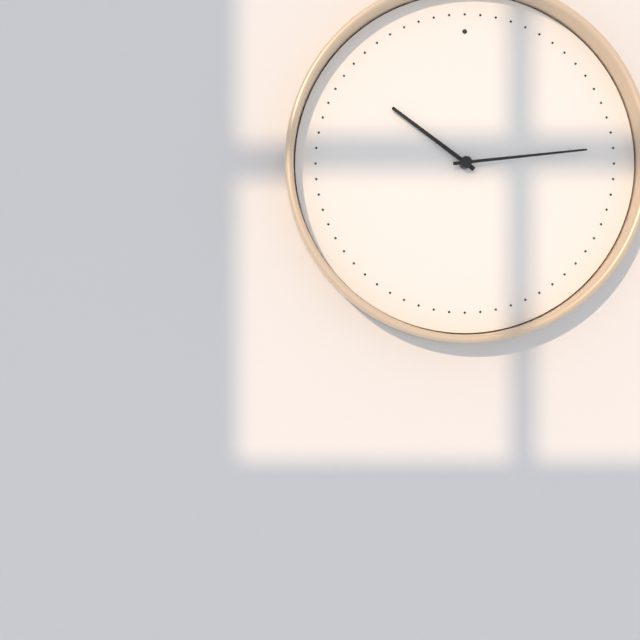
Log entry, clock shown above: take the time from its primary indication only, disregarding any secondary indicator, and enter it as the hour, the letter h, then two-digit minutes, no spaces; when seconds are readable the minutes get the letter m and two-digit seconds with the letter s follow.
10h14
